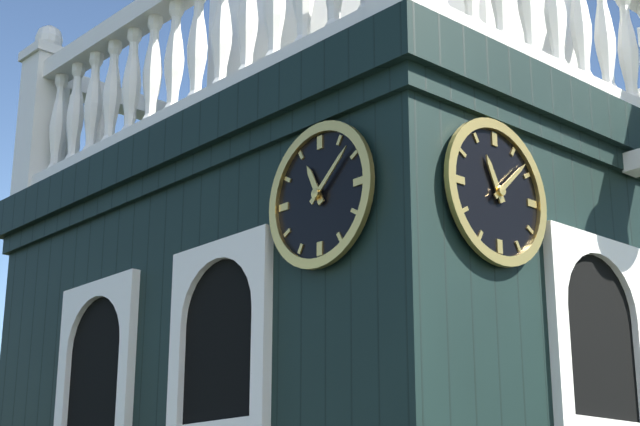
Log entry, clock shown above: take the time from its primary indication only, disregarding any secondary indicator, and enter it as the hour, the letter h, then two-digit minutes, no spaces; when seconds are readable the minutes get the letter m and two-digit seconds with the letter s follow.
11h08
